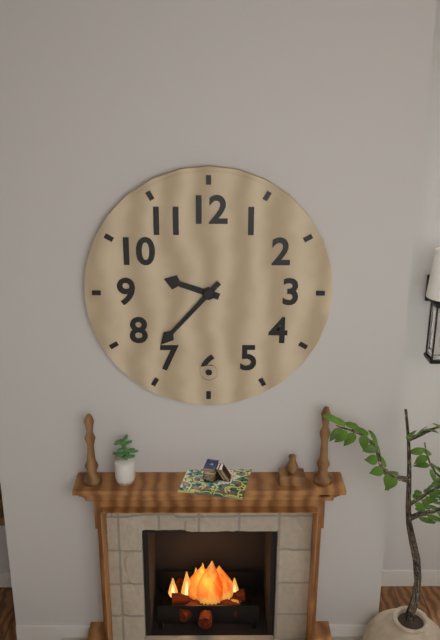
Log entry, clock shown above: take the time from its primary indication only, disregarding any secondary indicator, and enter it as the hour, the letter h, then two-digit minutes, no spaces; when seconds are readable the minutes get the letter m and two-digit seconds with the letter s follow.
9h37
